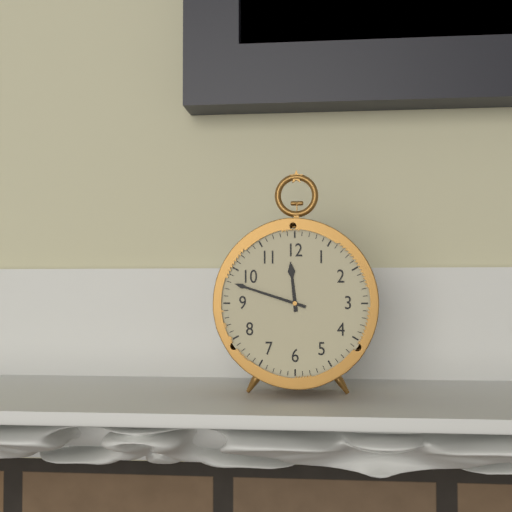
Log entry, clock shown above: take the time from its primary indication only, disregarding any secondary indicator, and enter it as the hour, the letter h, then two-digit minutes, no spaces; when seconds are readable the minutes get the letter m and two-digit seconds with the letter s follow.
11h48
